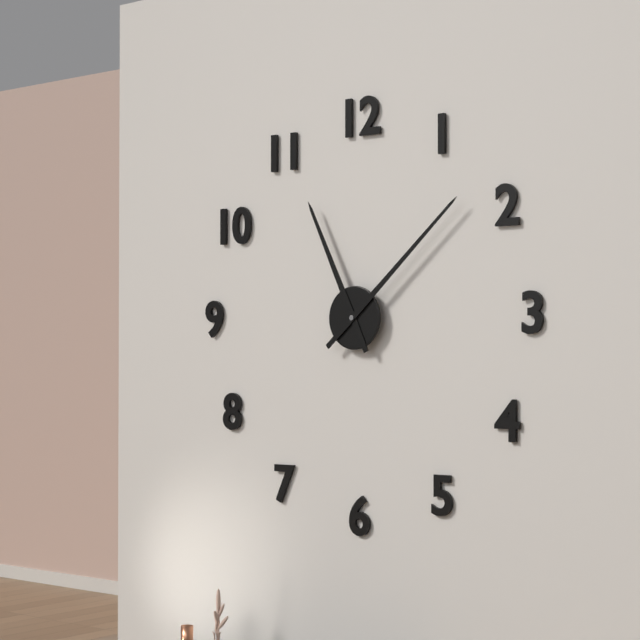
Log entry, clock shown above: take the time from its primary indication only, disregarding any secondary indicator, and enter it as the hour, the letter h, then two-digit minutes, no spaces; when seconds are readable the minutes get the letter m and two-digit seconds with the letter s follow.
11h08
